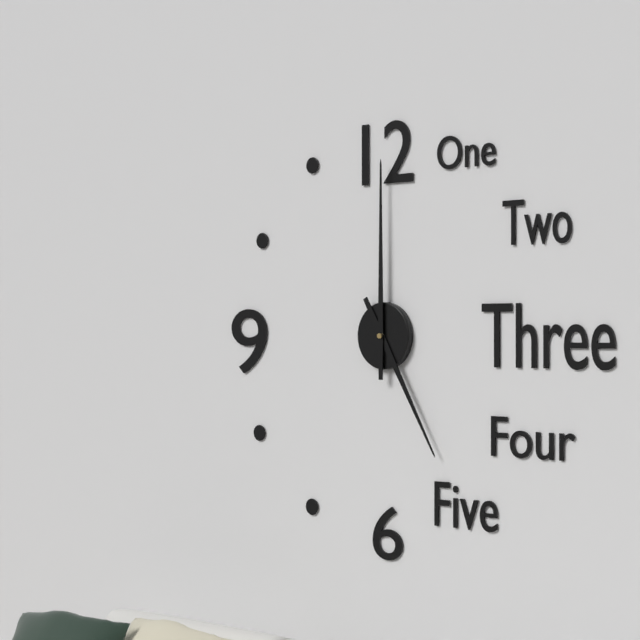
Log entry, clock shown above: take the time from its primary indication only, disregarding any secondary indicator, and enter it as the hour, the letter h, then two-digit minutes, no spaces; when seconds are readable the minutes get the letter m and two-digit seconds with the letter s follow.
5h00
